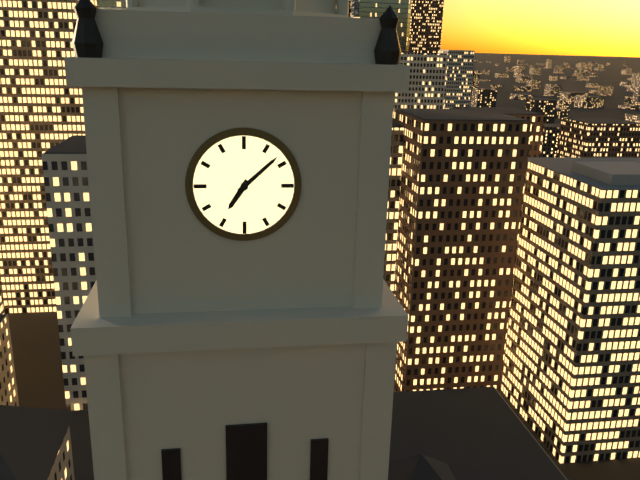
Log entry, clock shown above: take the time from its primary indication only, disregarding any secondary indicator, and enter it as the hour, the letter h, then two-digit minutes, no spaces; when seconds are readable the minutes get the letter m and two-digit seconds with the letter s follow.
7h08
